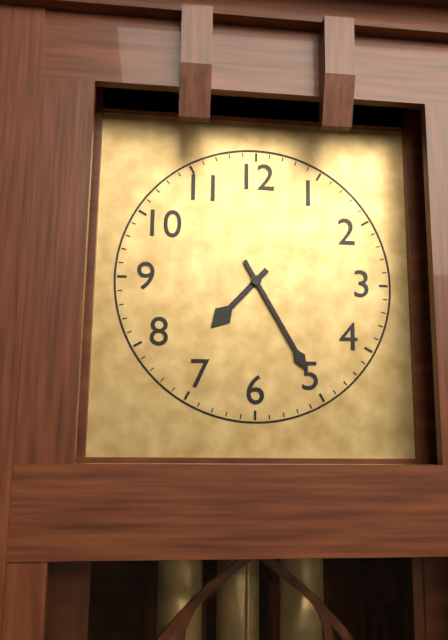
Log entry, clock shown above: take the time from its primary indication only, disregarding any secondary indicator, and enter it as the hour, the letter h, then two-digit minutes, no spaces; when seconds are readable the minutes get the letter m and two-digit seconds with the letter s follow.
7h25
